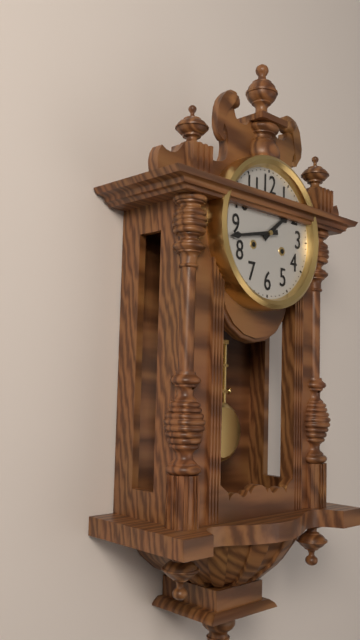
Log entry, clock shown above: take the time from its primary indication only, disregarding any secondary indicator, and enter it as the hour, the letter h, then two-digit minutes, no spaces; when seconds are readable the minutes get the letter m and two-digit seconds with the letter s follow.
1h43
